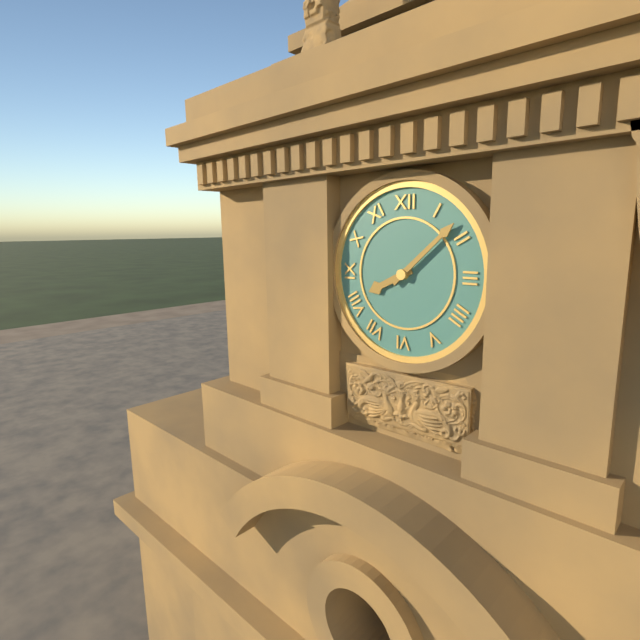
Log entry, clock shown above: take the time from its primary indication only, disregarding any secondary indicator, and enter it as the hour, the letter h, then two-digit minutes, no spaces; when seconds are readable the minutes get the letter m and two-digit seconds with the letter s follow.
8h08
